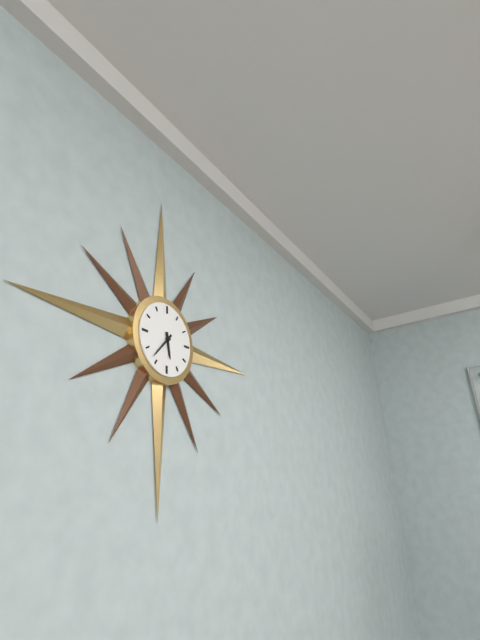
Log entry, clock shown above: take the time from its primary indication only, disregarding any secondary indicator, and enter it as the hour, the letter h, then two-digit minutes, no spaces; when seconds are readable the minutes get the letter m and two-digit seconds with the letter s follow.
5h37
